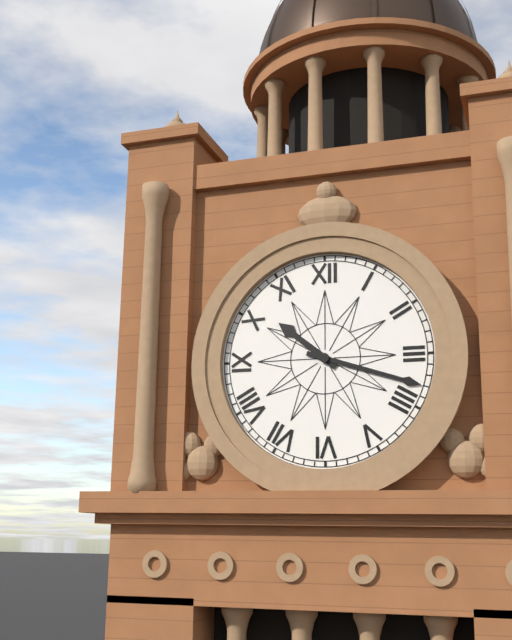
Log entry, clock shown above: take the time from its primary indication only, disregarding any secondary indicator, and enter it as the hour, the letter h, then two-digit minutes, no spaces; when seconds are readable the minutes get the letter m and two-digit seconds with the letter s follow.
10h18
